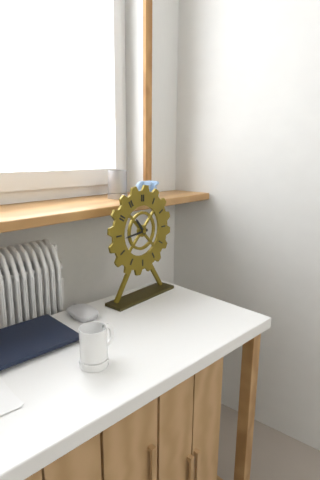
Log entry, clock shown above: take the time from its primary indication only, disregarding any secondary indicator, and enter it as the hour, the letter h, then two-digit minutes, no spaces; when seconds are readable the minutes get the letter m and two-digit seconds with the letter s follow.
10h44
